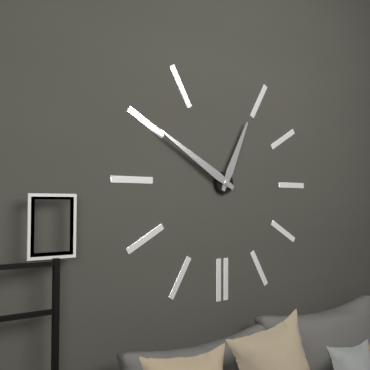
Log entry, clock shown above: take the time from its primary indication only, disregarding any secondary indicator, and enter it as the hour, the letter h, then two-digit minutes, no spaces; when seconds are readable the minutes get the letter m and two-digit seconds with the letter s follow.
12h50
